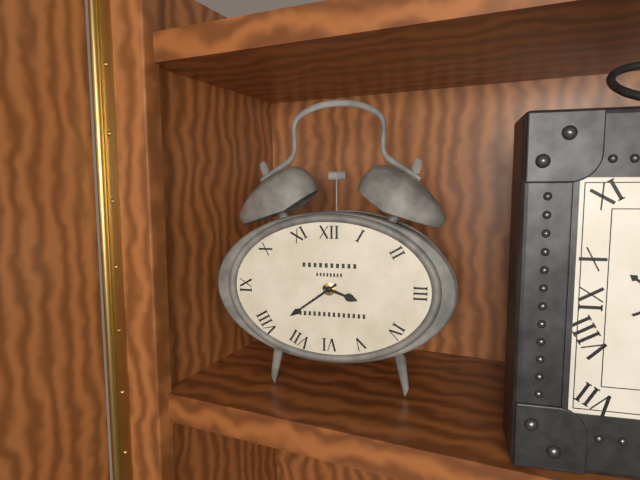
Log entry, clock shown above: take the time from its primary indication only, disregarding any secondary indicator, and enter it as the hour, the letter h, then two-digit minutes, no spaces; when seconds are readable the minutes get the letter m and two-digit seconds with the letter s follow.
3h39
